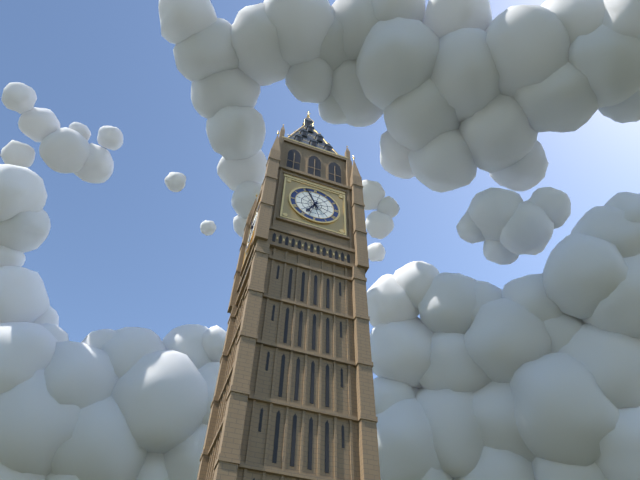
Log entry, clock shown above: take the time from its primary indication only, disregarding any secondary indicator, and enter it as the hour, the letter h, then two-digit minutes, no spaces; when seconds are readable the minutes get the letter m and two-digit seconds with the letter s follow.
6h56
